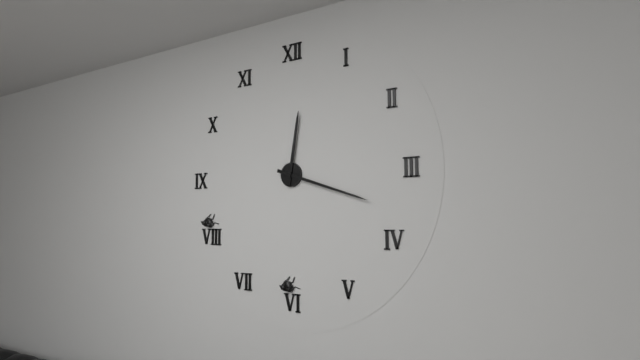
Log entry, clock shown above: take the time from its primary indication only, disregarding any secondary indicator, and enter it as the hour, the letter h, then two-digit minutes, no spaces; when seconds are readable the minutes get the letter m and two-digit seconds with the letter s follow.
12h18
